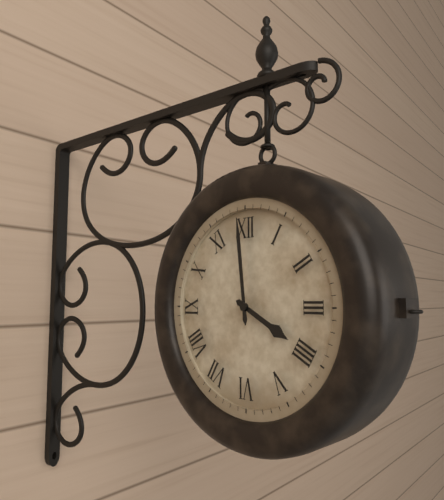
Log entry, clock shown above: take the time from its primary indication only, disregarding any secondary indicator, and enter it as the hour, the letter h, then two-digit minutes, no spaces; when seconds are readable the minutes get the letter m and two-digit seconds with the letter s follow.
3h59
